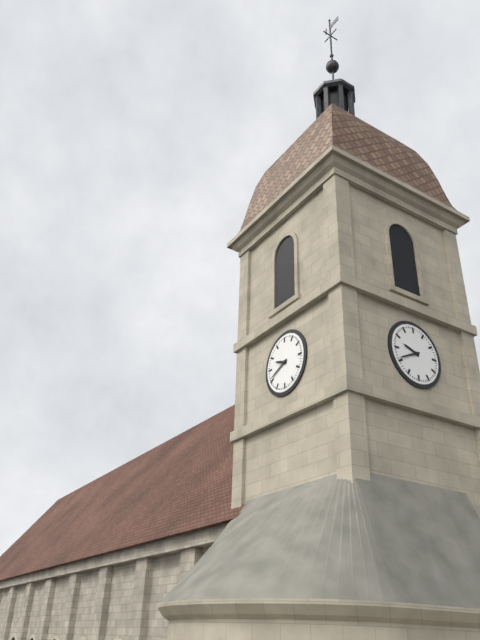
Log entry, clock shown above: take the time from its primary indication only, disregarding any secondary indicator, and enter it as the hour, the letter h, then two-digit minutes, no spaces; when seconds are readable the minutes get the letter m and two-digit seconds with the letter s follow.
9h41
